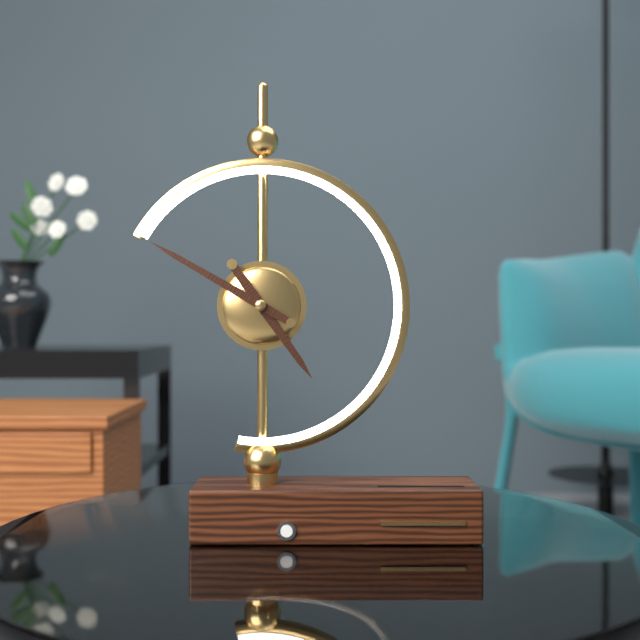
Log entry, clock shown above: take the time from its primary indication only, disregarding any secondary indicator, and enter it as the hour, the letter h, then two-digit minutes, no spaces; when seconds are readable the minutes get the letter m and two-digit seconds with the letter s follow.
4h50
